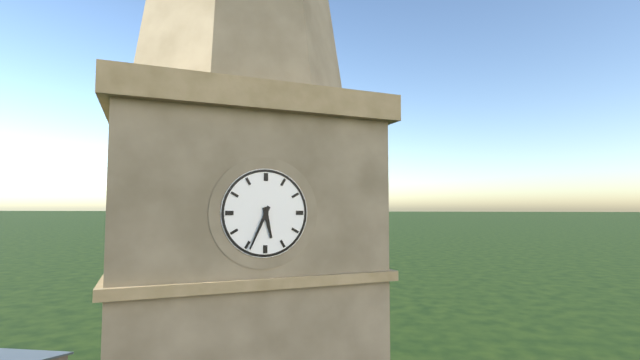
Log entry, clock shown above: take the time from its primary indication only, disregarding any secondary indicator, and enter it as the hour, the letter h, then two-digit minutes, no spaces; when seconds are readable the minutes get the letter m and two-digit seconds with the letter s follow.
5h34
